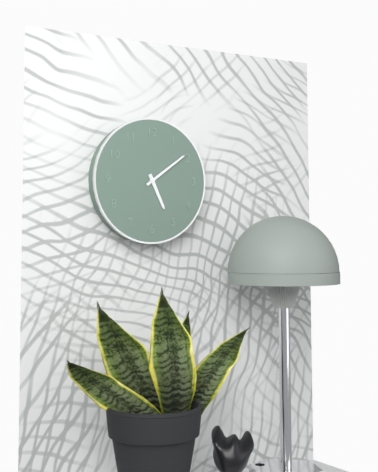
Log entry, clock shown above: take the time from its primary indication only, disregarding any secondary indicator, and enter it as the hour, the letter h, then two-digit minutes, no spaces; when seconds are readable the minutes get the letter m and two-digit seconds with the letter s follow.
5h09
